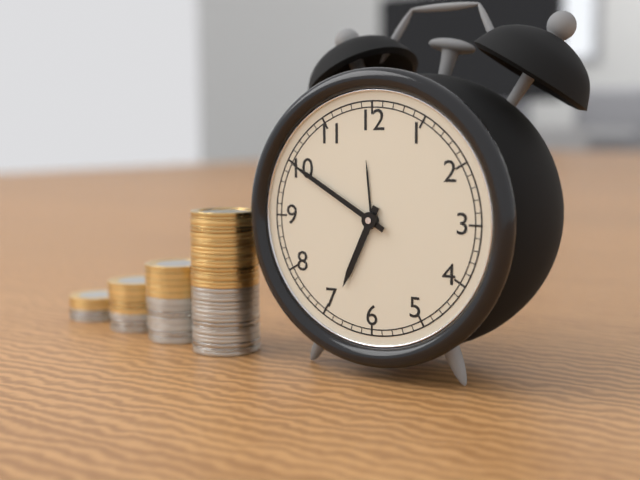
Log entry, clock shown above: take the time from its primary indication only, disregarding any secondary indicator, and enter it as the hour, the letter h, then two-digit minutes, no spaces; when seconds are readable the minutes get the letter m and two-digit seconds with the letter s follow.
6h50
